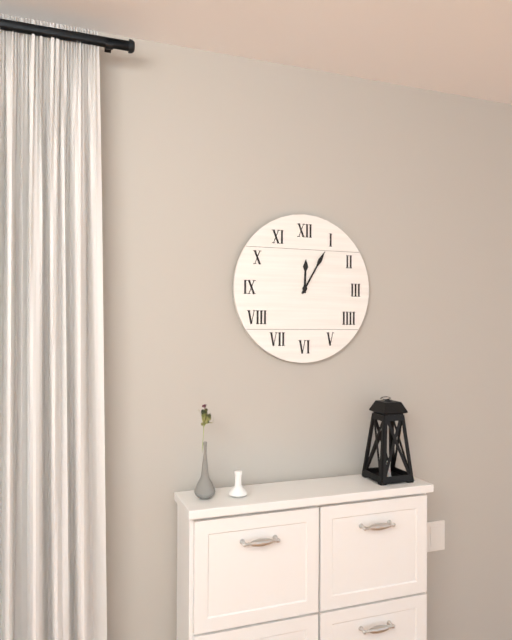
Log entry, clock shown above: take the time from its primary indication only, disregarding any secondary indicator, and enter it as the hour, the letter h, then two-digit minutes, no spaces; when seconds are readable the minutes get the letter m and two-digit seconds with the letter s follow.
12h05
